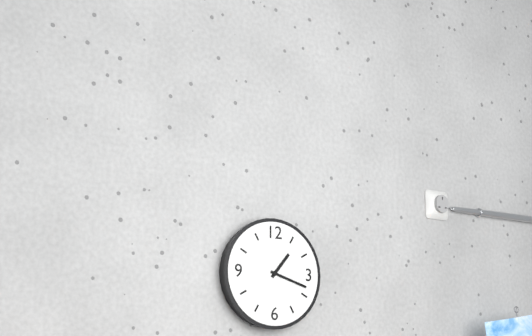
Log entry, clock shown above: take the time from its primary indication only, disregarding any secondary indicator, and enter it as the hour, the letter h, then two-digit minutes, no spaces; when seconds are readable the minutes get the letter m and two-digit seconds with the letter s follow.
1h18
